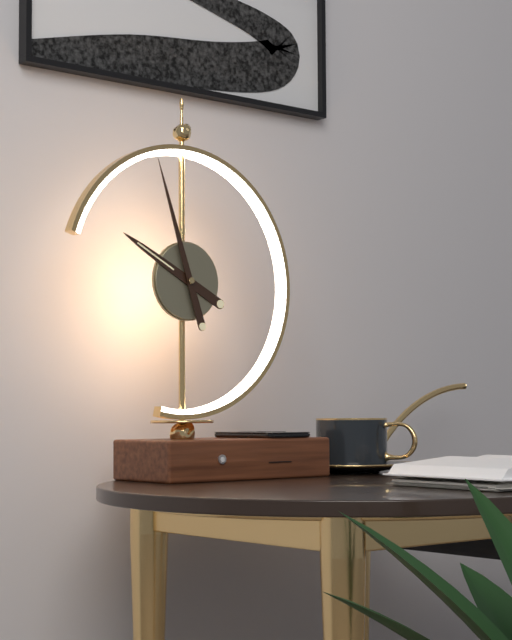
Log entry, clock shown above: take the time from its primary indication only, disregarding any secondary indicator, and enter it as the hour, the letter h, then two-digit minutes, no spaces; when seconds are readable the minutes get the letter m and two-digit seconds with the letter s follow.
9h57
